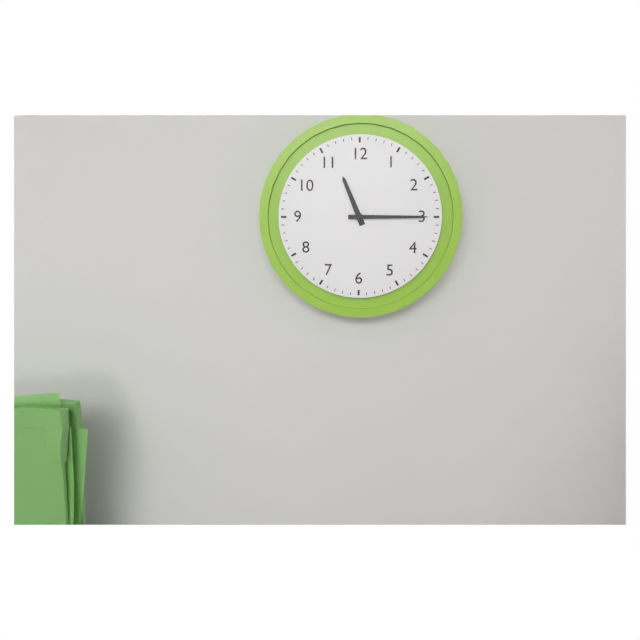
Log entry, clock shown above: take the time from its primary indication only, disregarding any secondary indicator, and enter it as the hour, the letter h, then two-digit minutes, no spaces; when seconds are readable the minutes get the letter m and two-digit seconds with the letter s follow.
11h15
